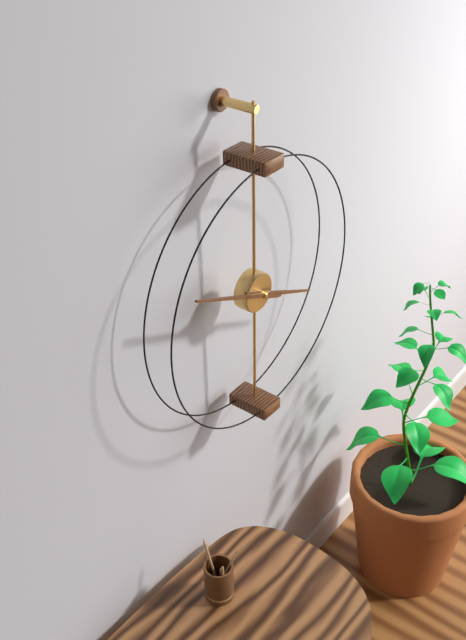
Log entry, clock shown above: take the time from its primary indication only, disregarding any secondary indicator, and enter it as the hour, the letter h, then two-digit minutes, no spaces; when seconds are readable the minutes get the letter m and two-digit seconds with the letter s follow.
3h49
